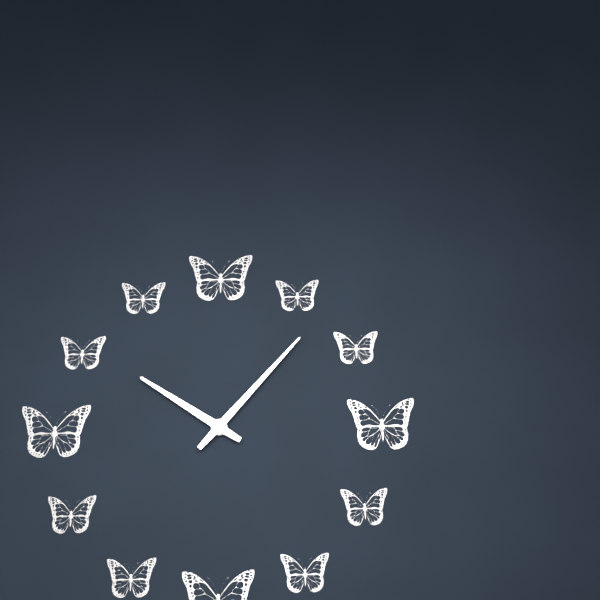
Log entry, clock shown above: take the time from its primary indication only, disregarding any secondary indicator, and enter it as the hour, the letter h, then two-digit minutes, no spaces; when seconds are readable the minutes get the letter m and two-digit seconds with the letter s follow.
10h07
